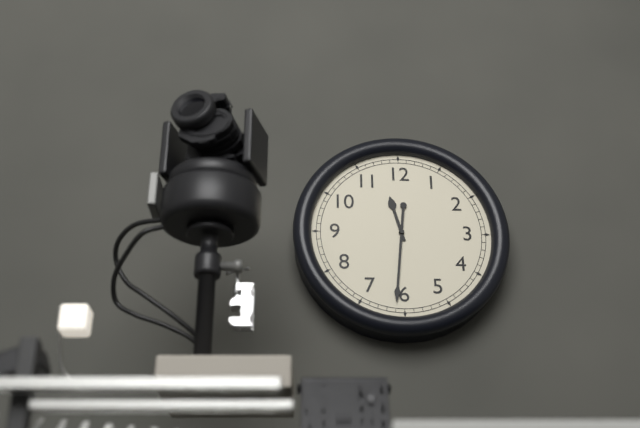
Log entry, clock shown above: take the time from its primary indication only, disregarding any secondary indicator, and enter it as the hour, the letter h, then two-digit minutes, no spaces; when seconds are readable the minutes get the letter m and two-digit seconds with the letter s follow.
11h31
